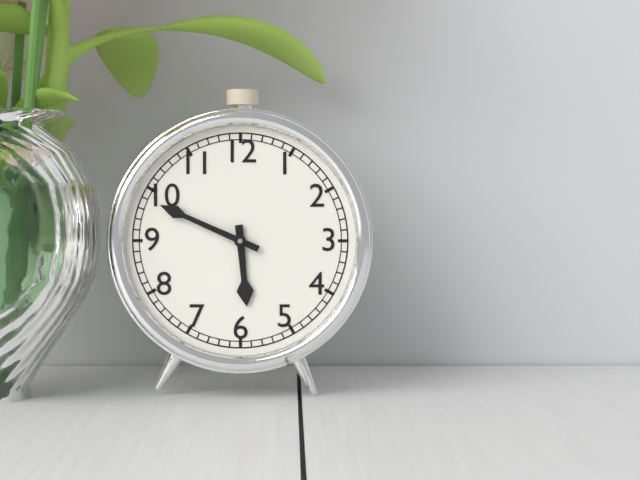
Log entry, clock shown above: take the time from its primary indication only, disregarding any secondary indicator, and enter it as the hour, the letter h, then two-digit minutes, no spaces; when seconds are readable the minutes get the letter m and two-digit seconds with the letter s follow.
5h49
